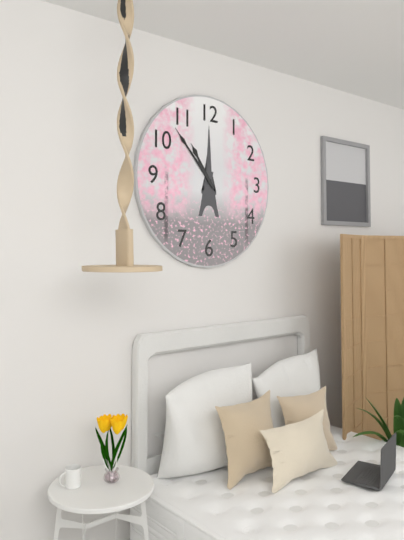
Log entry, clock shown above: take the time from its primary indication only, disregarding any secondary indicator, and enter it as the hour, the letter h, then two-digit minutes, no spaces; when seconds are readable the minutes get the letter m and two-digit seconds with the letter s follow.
10h53
